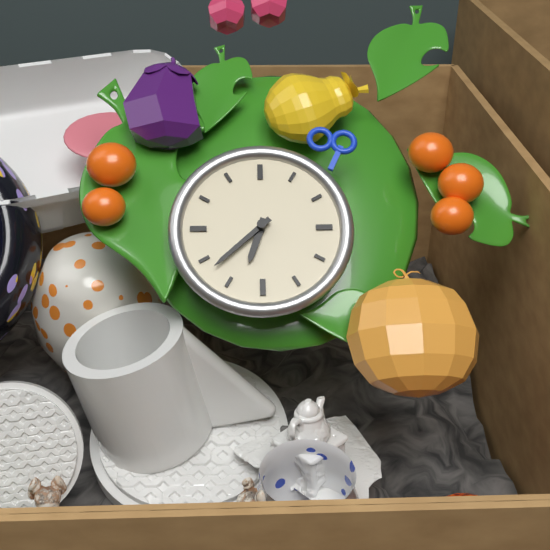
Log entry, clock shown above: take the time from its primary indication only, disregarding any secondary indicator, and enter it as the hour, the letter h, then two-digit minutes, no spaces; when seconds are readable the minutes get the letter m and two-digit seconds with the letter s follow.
6h38
